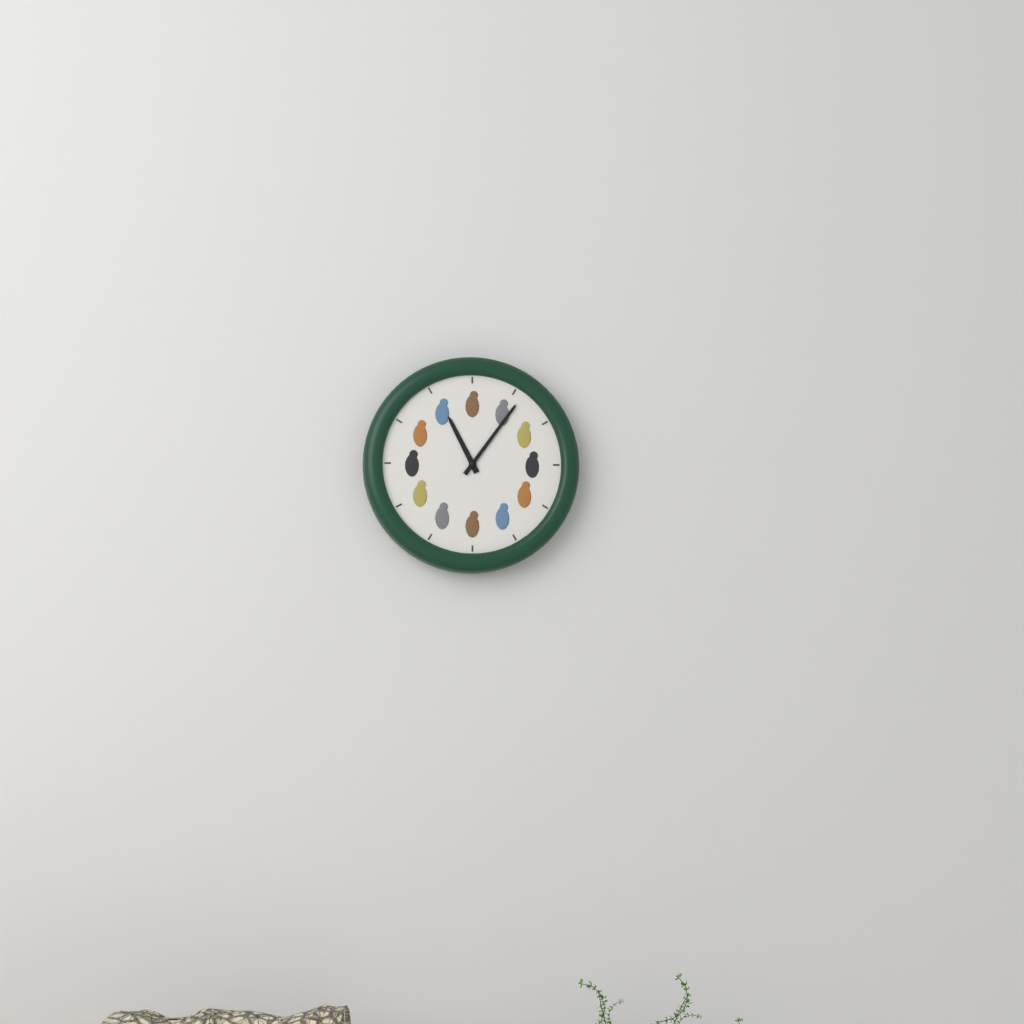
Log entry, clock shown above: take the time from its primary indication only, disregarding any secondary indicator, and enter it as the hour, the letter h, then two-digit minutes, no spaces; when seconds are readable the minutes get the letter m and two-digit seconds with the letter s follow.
11h06
